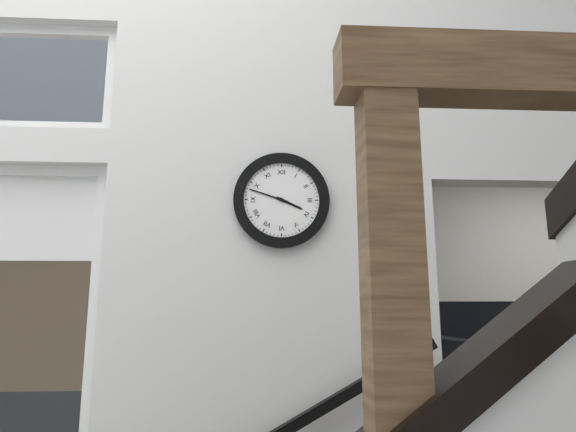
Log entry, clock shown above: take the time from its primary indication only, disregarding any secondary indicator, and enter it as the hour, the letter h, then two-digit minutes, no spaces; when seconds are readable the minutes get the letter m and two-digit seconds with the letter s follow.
3h48
